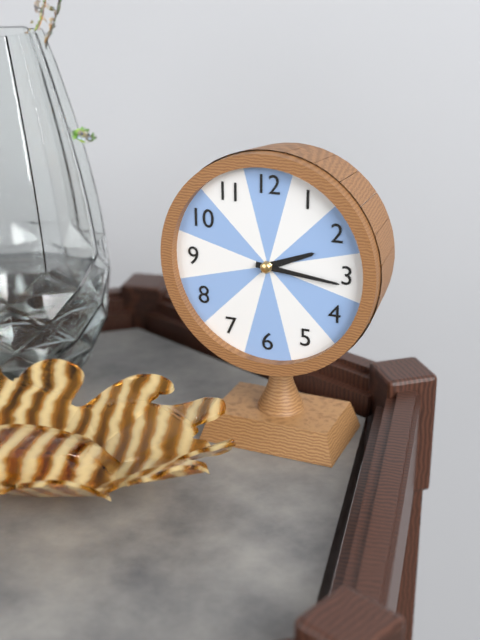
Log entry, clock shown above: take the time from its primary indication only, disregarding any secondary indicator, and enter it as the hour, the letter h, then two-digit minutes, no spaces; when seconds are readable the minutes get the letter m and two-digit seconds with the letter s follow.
2h16
